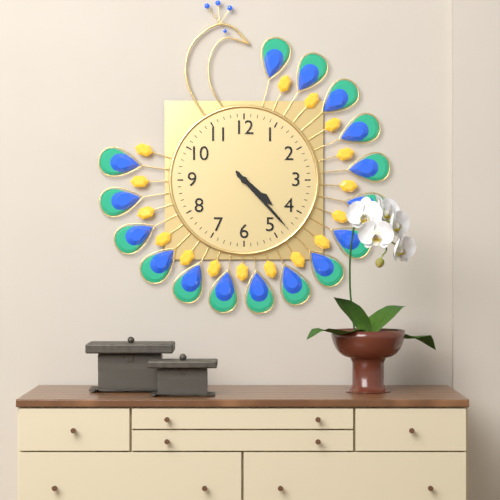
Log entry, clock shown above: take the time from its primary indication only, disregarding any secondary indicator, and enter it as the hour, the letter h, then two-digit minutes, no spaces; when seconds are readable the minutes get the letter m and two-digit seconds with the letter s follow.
4h23
